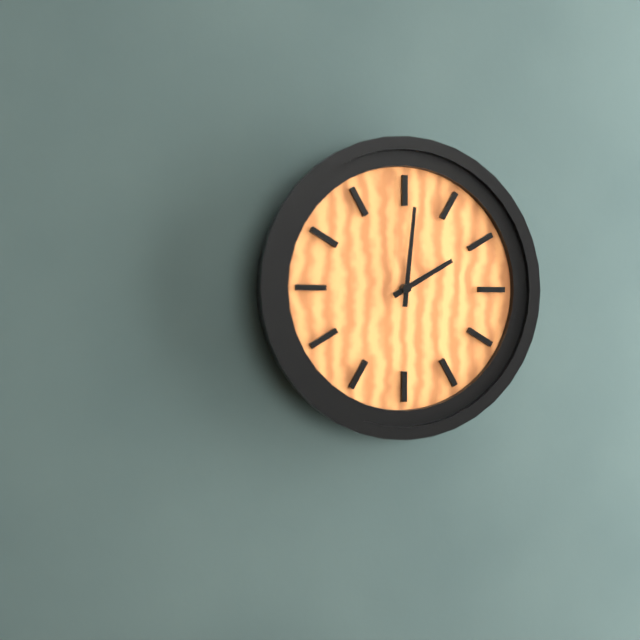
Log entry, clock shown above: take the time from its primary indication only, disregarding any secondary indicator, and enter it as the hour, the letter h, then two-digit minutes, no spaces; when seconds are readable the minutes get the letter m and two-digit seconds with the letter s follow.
2h01
